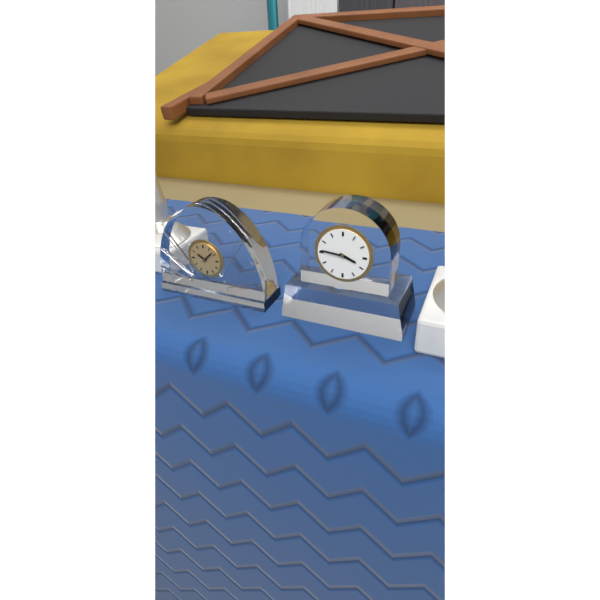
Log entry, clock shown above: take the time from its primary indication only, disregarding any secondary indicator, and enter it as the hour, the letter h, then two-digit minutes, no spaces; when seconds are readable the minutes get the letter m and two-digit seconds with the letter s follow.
3h46
